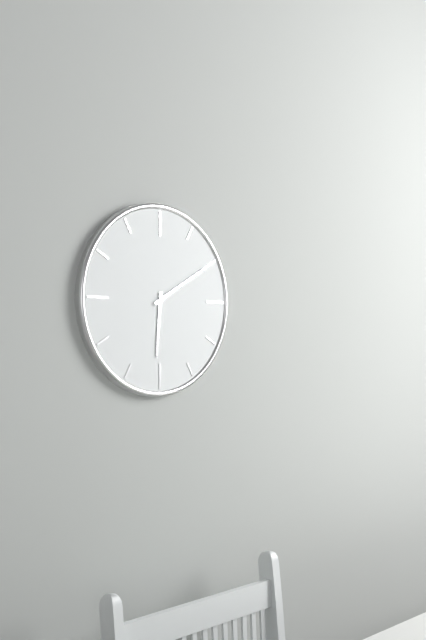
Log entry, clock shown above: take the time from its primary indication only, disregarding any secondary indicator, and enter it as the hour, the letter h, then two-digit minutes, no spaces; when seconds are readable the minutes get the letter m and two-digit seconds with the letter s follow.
6h10
